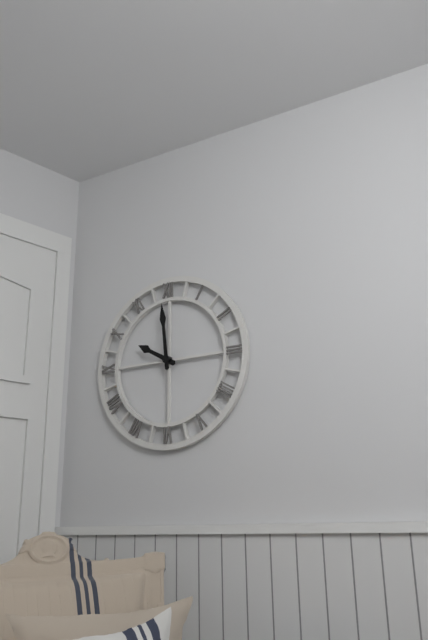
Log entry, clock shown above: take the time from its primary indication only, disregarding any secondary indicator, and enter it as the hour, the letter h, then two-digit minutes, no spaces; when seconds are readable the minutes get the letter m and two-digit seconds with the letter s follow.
9h59
